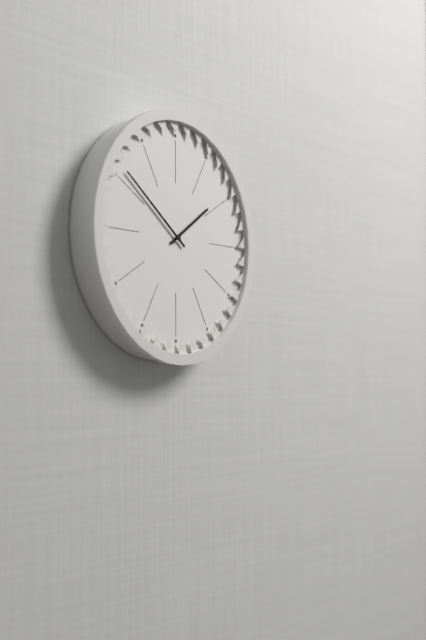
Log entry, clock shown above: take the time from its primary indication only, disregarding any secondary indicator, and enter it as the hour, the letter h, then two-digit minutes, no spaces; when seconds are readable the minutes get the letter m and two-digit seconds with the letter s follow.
1h51
